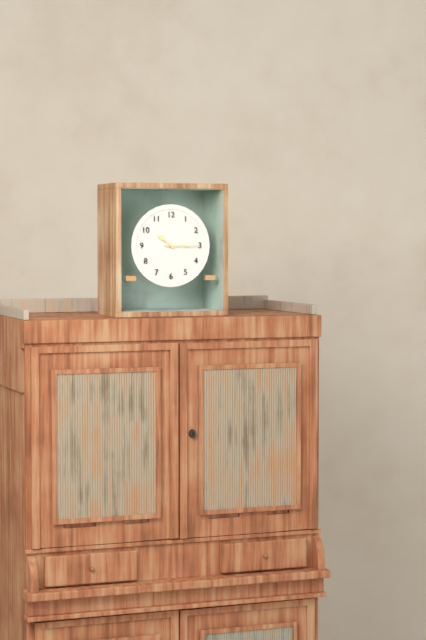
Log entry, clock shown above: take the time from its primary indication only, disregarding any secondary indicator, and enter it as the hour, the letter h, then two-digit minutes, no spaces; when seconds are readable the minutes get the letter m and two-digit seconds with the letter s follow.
10h15
